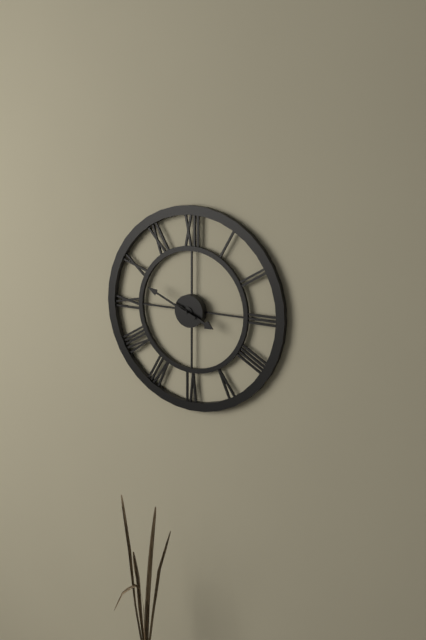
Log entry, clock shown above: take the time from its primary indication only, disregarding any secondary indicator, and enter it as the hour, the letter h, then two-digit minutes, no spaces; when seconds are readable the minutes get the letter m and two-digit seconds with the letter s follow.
3h49
